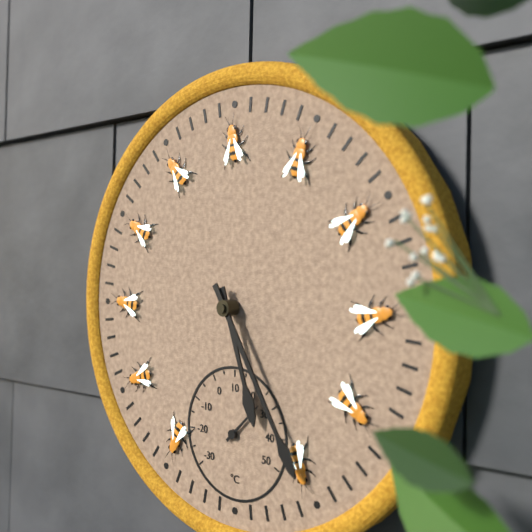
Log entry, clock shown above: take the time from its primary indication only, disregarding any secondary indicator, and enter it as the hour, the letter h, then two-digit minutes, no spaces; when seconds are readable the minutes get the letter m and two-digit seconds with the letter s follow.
5h25
